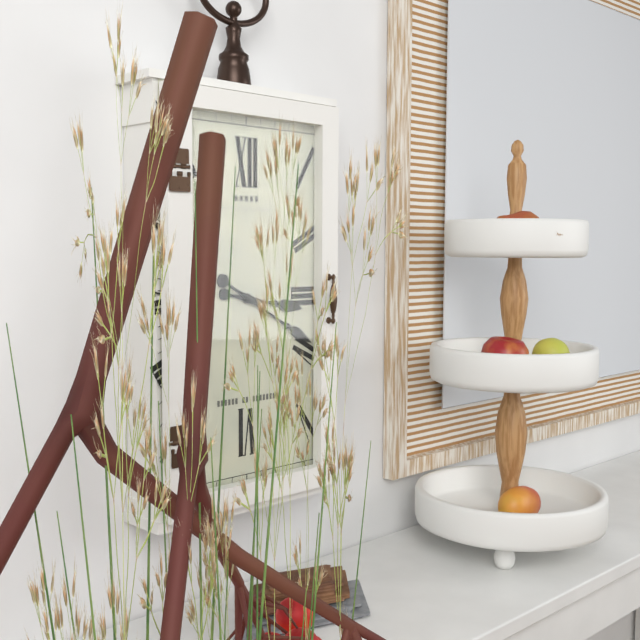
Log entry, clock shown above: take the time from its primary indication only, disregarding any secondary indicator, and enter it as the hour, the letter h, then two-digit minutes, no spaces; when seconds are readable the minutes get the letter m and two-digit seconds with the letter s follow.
3h20
